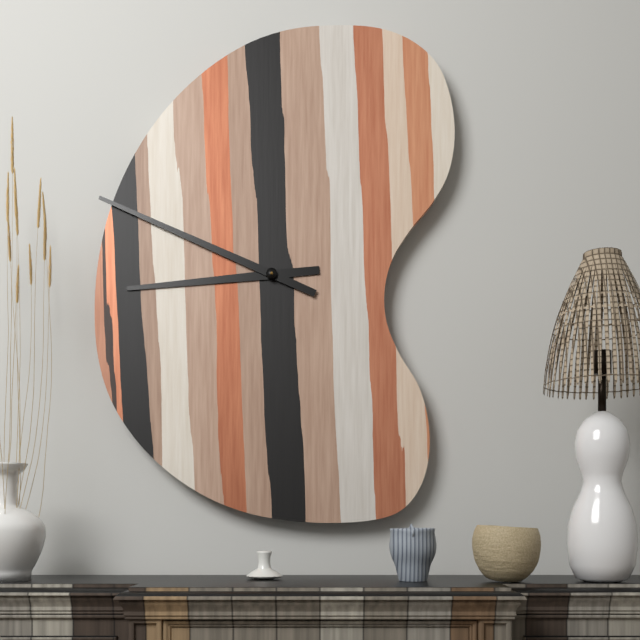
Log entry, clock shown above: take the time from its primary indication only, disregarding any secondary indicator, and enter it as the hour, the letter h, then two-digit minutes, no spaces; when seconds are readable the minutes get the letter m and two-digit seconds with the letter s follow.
8h49
